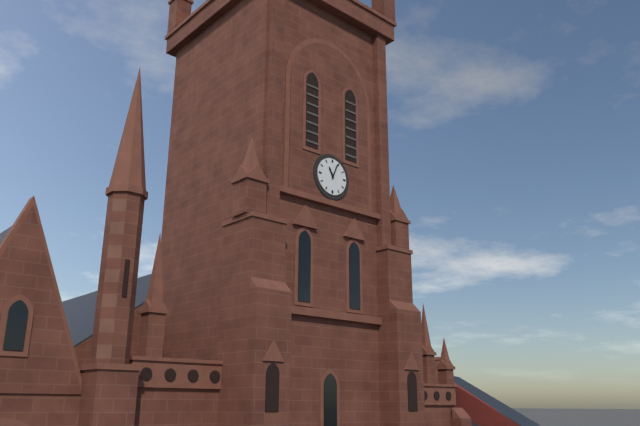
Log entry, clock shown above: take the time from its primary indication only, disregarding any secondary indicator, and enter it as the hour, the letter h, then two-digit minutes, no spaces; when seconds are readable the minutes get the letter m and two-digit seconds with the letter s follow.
11h04
